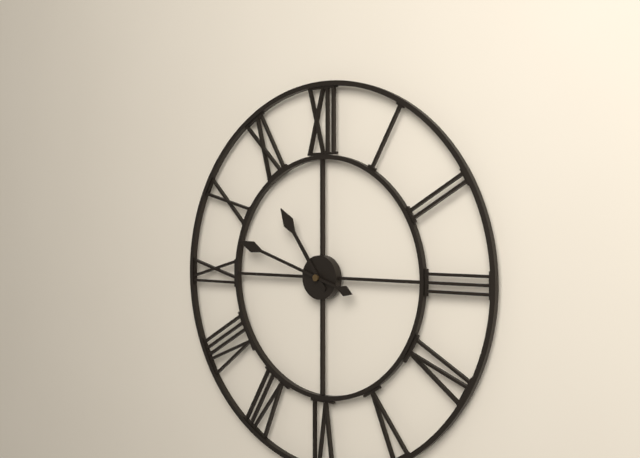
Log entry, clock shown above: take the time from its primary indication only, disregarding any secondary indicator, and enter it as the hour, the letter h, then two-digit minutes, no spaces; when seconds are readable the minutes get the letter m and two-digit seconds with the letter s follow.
10h48
